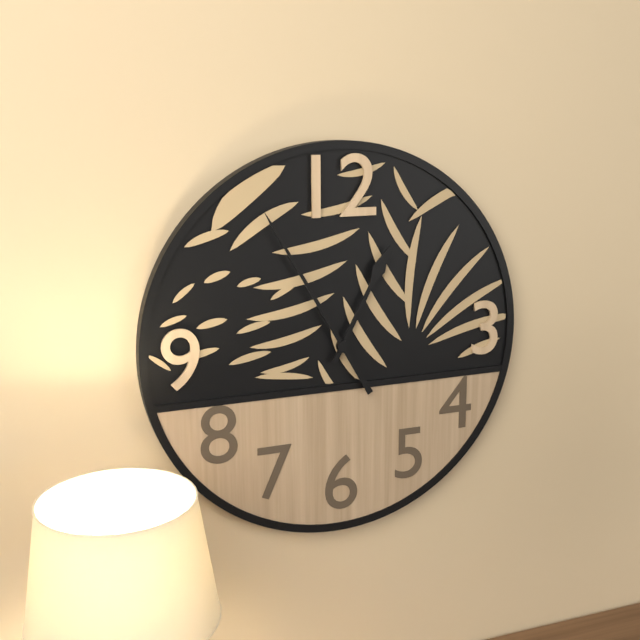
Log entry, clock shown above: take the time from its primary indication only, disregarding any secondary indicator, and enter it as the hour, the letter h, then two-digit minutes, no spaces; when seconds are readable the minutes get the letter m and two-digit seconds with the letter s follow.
12h55
